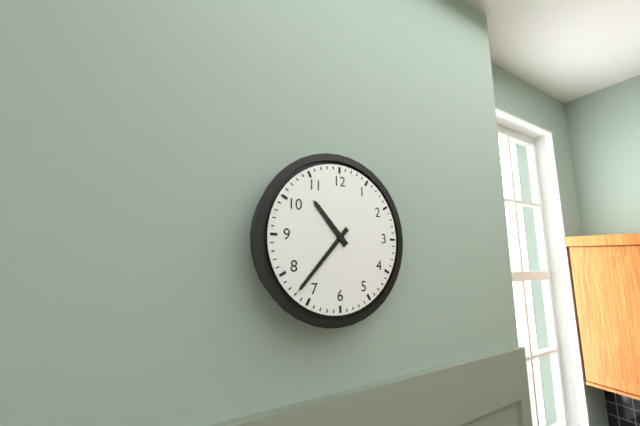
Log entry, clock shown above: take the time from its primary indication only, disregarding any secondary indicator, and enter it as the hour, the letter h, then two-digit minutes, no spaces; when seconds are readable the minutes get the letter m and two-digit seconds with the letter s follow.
10h37
